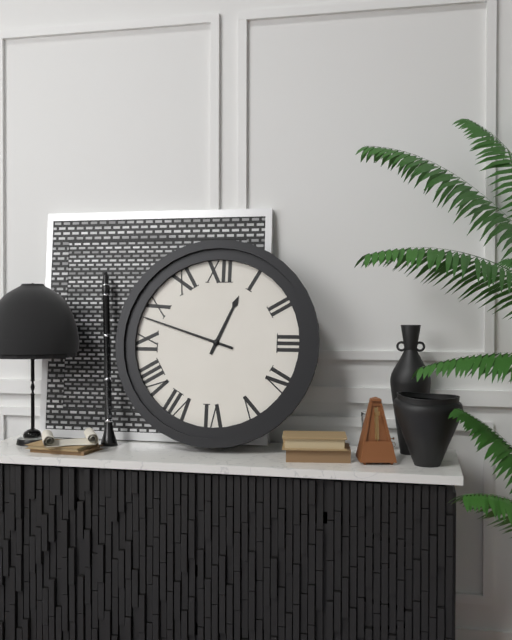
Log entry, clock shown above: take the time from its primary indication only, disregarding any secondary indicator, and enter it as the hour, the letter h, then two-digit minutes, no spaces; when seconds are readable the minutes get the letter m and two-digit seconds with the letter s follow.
12h48
